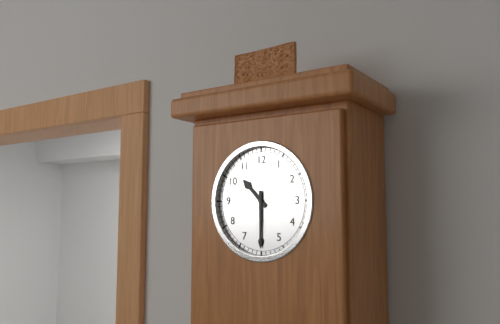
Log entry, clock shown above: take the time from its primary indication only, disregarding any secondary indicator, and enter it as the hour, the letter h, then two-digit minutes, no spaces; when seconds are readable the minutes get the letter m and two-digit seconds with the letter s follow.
10h30
